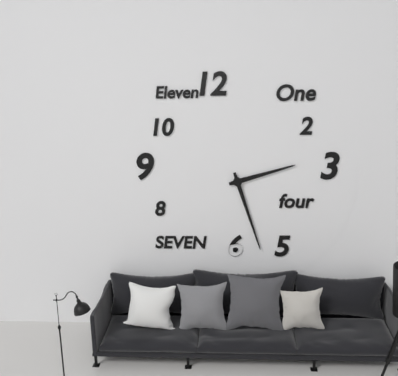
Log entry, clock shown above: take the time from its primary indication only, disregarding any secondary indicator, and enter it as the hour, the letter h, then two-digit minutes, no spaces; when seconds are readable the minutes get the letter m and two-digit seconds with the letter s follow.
2h27
